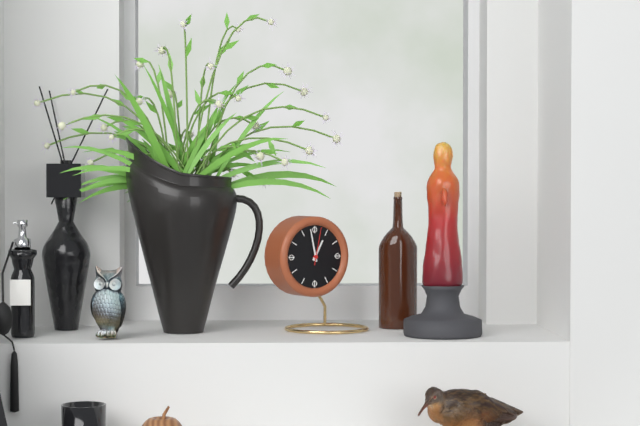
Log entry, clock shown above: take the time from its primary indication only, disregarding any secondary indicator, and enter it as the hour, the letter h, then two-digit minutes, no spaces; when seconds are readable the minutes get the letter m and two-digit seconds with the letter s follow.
12h58
